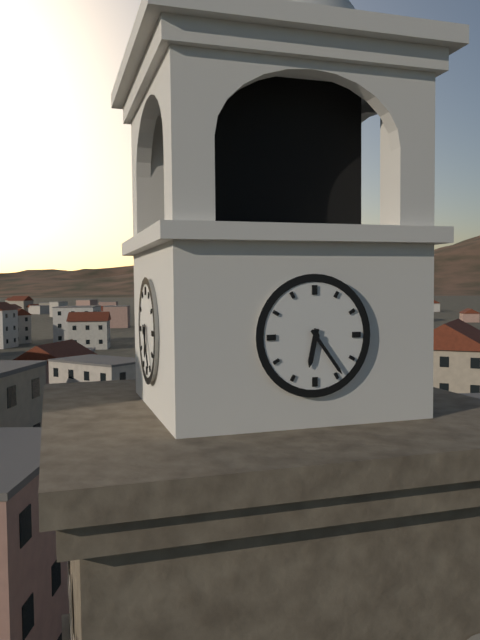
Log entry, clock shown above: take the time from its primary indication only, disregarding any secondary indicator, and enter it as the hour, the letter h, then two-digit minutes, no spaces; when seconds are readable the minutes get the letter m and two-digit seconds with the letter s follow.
6h24
